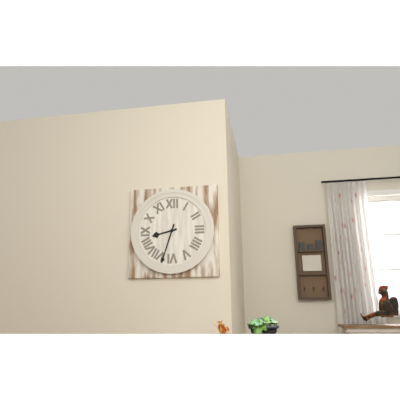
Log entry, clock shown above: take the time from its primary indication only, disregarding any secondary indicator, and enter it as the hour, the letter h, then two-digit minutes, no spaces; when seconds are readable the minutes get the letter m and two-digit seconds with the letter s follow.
8h33
